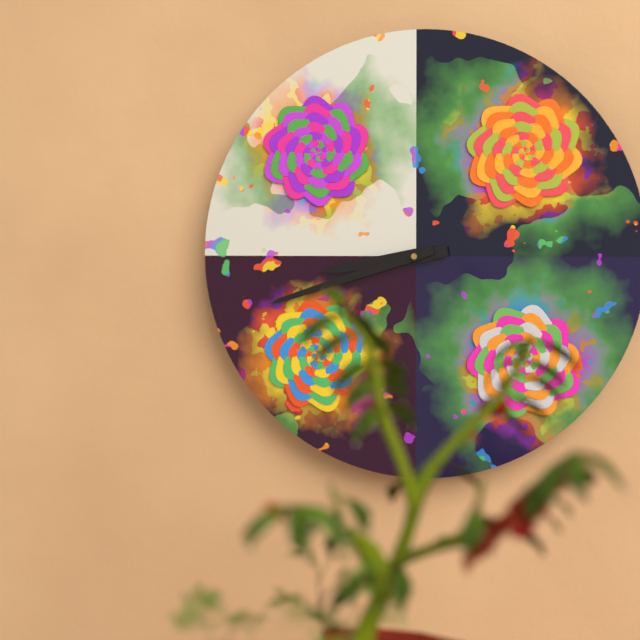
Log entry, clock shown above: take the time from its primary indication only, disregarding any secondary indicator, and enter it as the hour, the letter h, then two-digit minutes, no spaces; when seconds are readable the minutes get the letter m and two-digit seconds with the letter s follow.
8h42
